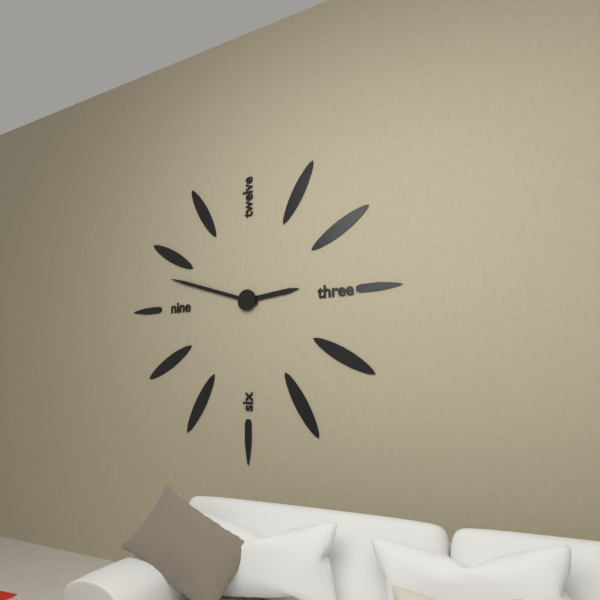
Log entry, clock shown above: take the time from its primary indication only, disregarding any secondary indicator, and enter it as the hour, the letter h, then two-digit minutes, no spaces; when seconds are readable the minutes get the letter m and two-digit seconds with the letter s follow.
2h48
